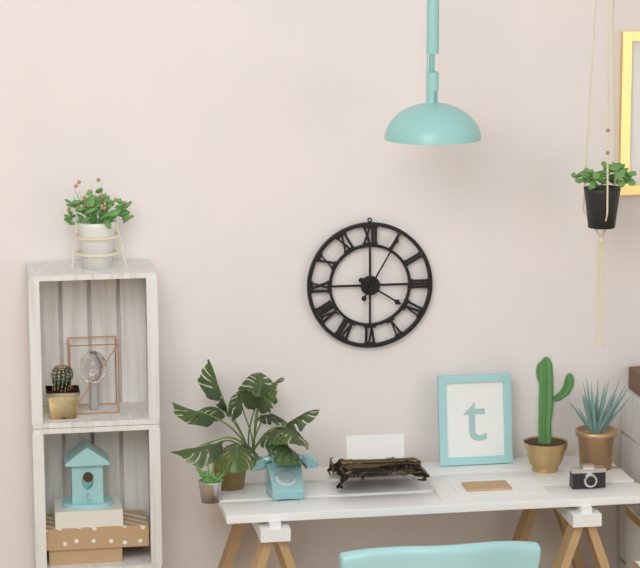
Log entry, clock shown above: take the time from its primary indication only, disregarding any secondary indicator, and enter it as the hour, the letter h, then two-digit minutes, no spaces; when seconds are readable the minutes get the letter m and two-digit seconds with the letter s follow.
4h05
